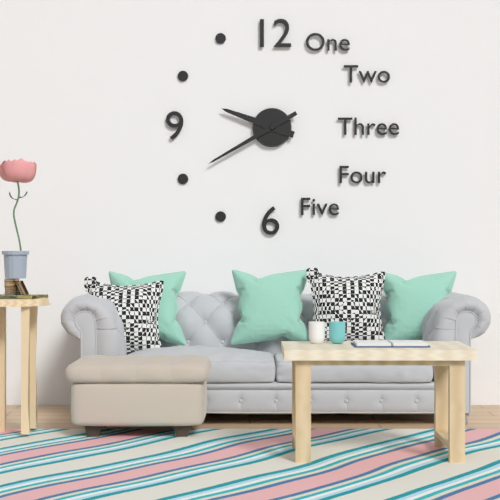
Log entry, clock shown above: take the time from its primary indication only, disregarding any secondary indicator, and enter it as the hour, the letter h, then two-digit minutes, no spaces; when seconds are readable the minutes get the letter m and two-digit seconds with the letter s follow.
9h40
